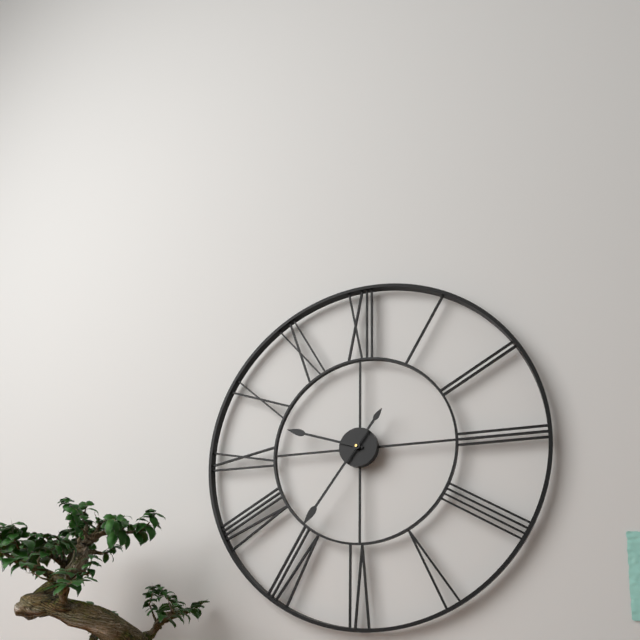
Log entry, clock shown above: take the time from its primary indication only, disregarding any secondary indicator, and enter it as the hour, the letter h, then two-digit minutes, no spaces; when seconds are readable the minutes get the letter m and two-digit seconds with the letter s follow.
9h36
